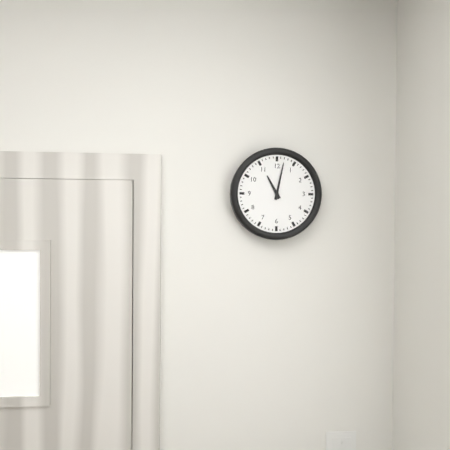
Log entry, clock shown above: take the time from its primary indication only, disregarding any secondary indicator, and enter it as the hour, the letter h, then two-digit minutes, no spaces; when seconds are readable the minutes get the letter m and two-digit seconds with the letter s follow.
11h02
